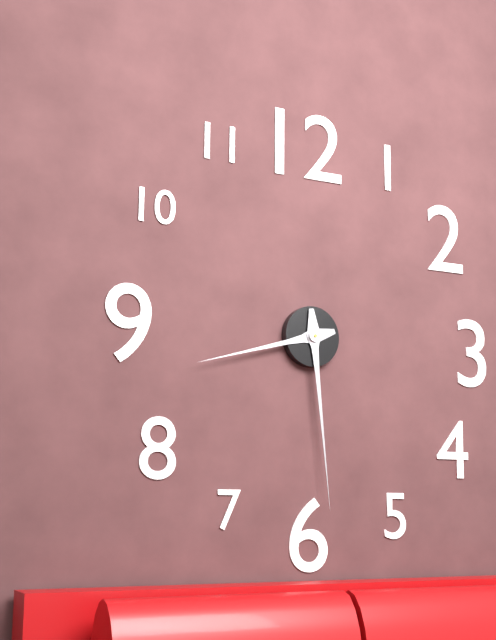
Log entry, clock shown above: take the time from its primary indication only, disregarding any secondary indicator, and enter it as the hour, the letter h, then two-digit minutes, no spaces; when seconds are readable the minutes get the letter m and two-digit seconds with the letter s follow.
8h29
